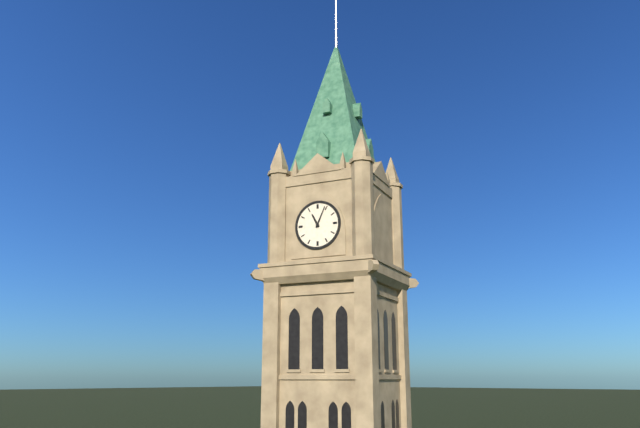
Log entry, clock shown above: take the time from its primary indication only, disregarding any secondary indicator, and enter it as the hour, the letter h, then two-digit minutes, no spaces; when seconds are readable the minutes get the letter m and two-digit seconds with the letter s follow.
11h04
